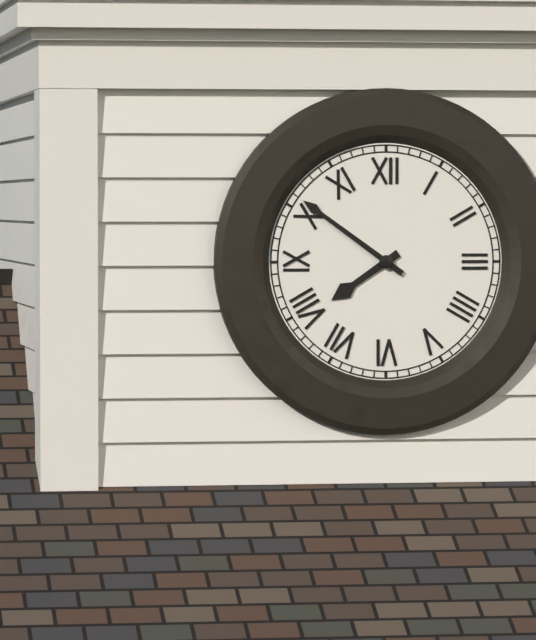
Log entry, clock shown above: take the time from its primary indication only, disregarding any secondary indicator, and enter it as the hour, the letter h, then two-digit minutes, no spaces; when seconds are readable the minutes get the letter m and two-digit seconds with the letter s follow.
7h51
